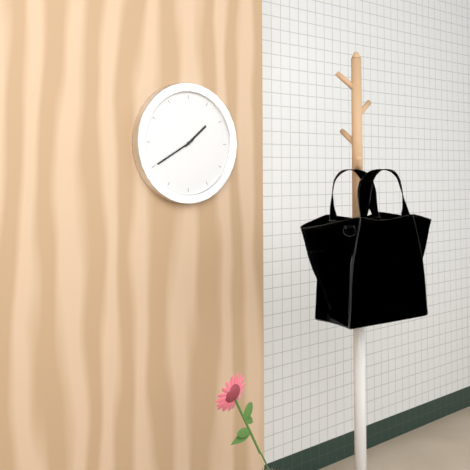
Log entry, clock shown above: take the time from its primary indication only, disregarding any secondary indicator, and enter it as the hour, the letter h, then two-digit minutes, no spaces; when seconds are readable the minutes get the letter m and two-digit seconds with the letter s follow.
1h40
